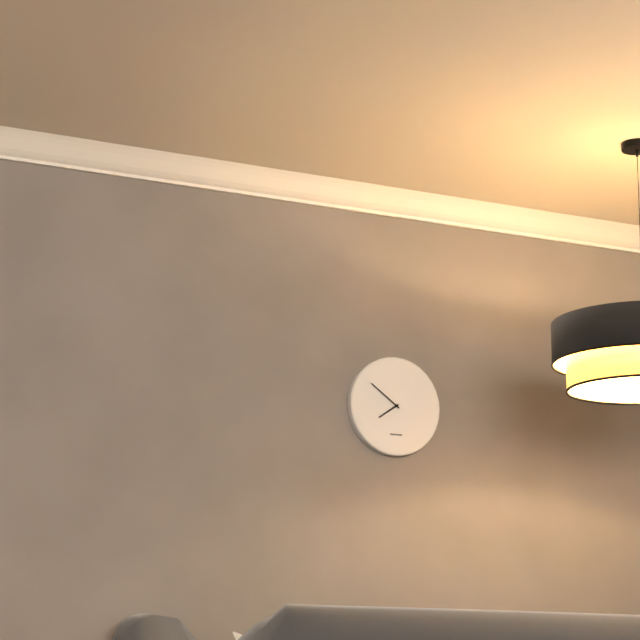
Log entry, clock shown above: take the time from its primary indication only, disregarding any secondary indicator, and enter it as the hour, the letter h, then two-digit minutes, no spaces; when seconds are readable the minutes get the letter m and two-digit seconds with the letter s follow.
7h51
